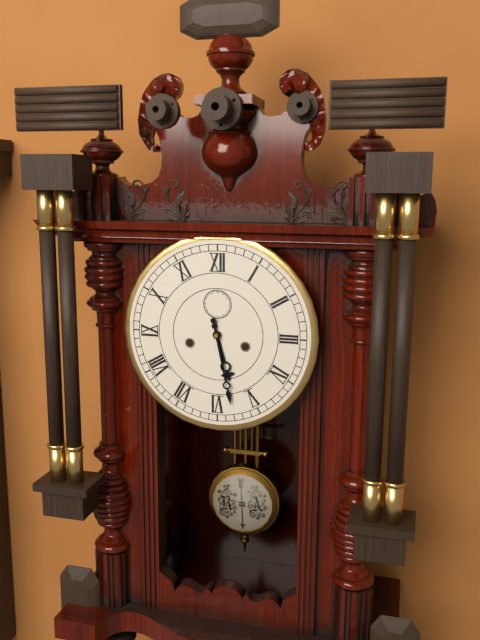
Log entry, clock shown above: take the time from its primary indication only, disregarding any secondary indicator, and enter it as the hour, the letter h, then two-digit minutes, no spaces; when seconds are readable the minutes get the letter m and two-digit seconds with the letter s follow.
5h28
